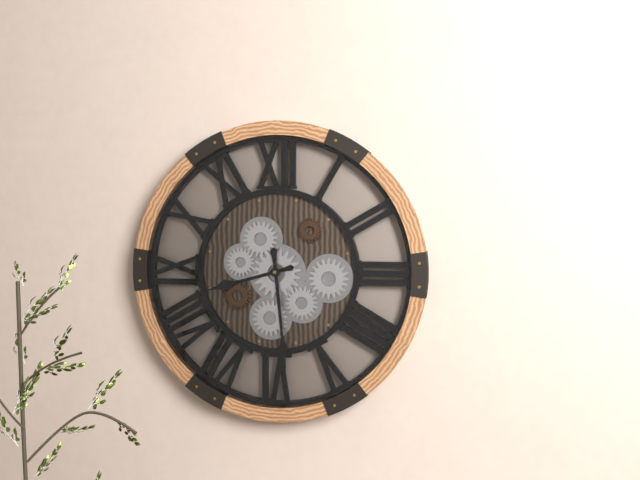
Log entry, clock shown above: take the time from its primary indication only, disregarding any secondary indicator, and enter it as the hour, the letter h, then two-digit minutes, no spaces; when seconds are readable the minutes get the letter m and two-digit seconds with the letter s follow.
8h29
